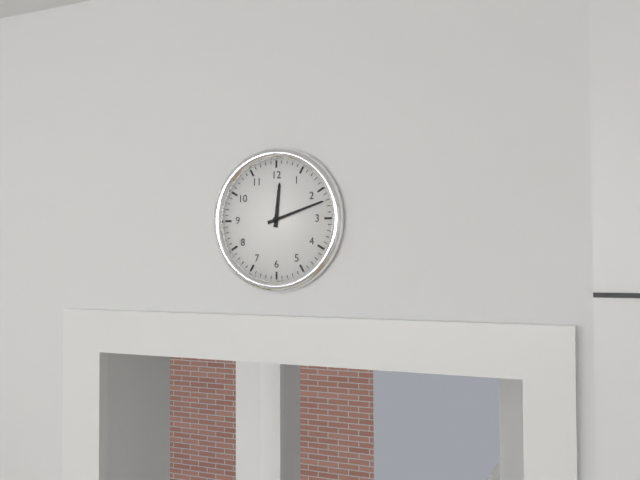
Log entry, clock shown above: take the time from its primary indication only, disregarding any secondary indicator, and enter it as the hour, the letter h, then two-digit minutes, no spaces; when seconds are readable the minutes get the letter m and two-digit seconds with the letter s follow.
12h12
